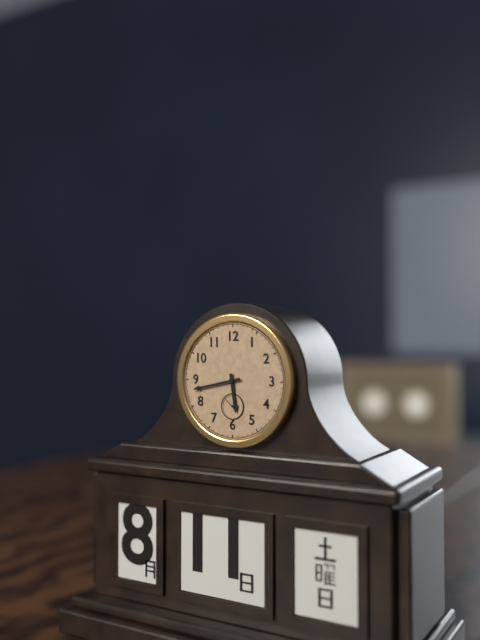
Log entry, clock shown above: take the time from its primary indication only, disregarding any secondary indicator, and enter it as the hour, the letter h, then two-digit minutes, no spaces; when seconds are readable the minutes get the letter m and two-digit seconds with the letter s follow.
5h43
